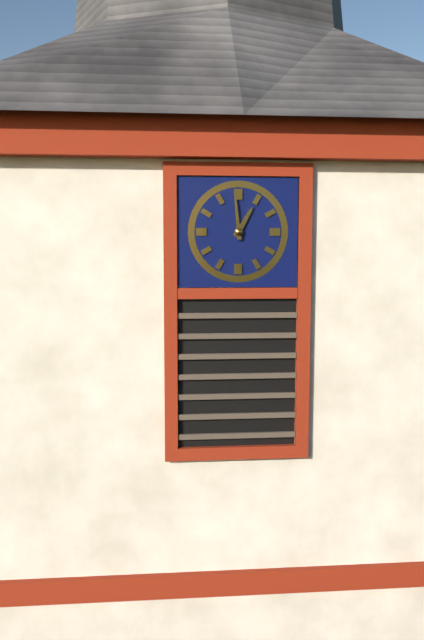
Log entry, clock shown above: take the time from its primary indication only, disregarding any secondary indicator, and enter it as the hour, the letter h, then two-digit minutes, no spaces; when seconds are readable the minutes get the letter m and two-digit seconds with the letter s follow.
12h59
